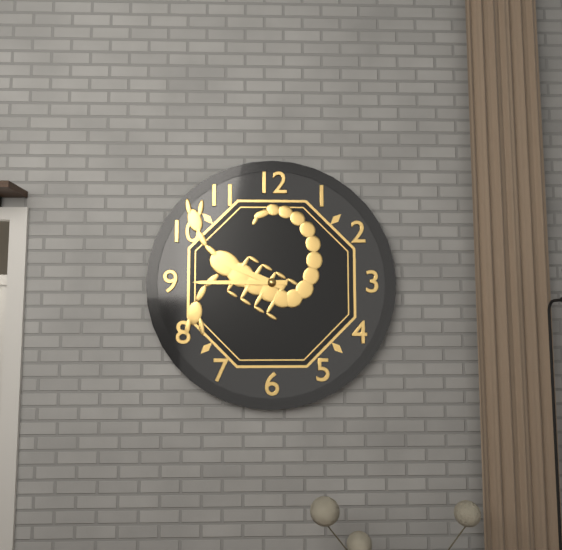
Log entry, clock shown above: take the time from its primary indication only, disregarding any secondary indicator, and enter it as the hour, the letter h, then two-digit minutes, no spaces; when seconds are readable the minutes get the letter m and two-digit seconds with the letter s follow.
9h45
